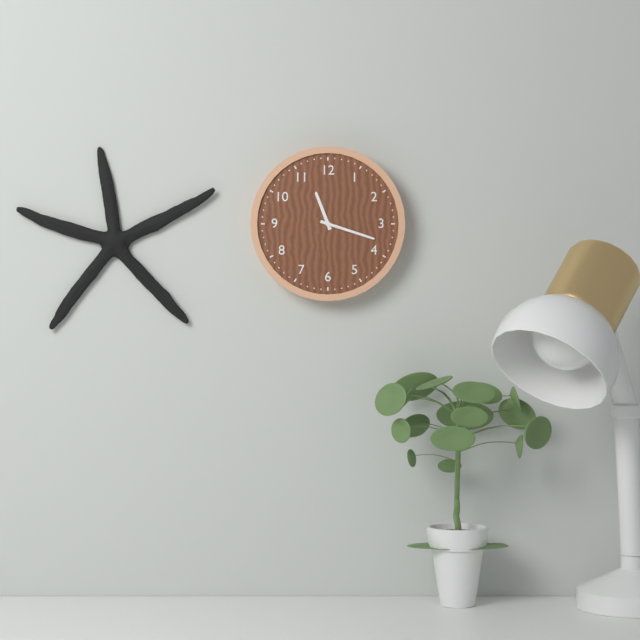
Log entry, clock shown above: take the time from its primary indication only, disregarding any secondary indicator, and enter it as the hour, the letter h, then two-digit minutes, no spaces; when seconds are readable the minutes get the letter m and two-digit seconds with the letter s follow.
11h18
